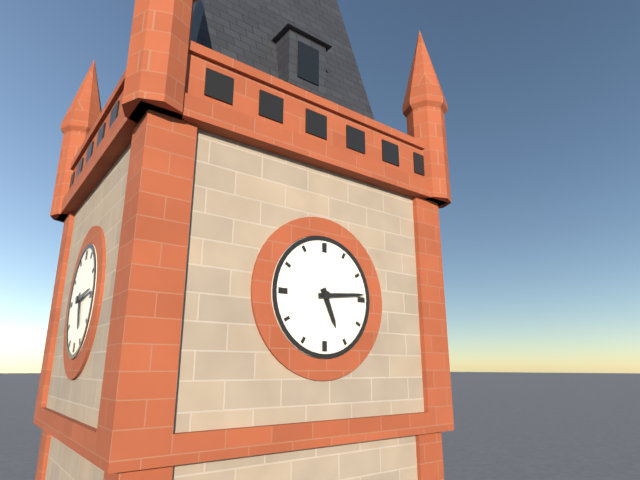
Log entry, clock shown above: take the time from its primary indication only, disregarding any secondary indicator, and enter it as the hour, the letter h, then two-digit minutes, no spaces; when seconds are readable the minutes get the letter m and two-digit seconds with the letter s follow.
5h14
